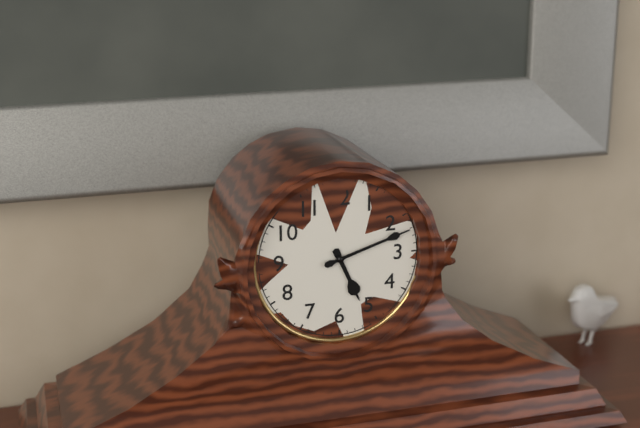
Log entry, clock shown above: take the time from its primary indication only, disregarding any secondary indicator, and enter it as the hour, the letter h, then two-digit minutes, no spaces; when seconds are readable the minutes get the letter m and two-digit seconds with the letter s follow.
5h12
